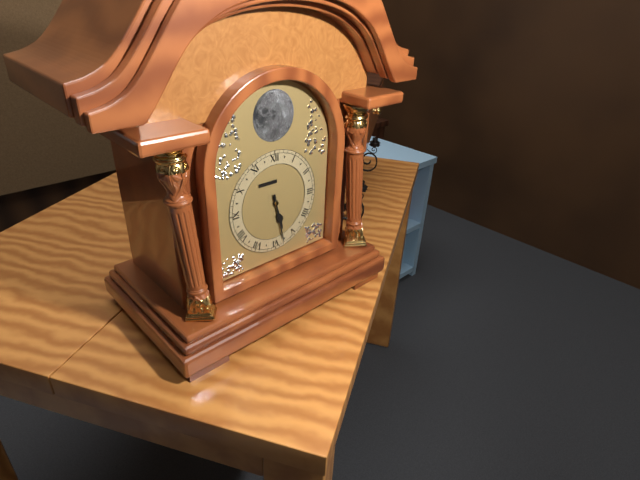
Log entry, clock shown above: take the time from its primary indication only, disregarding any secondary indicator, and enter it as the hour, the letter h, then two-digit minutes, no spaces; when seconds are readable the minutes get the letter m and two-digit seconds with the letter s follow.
5h28
